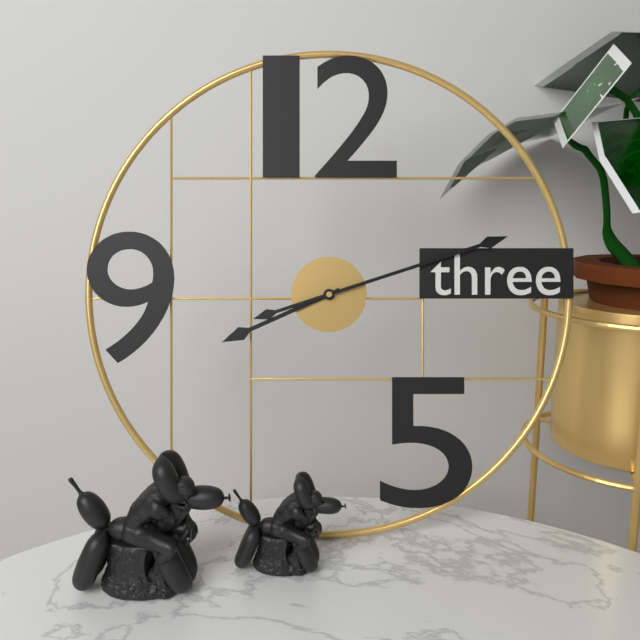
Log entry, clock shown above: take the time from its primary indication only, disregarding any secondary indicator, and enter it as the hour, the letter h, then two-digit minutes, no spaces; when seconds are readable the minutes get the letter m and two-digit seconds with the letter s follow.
8h12
